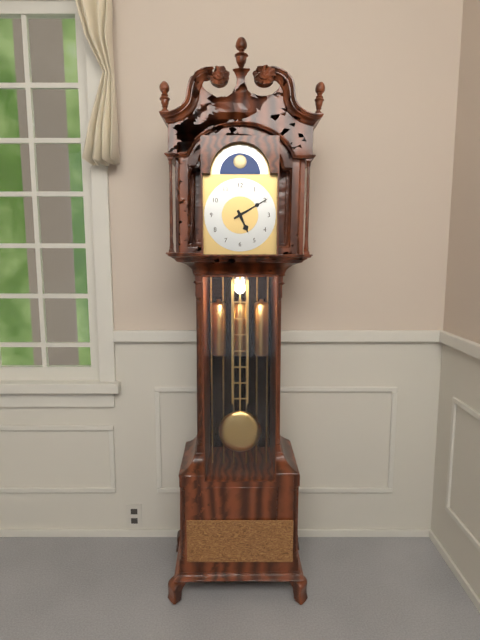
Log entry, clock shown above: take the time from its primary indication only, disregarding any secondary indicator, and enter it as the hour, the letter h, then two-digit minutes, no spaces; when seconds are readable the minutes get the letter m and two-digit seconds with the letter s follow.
5h10
